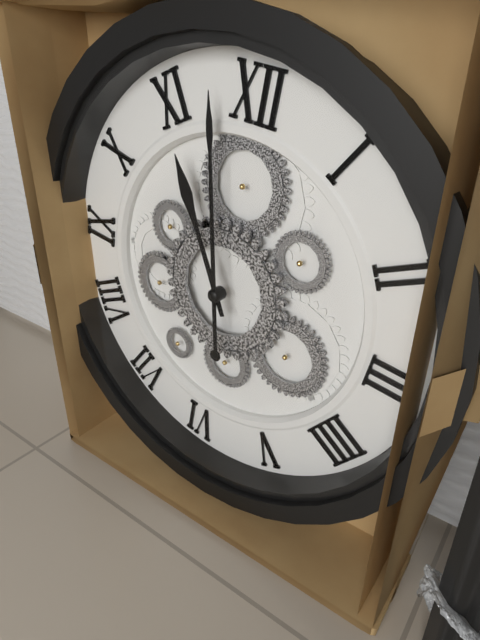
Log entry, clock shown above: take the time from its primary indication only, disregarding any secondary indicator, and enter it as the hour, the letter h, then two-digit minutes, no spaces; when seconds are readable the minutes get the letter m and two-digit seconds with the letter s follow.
10h58
